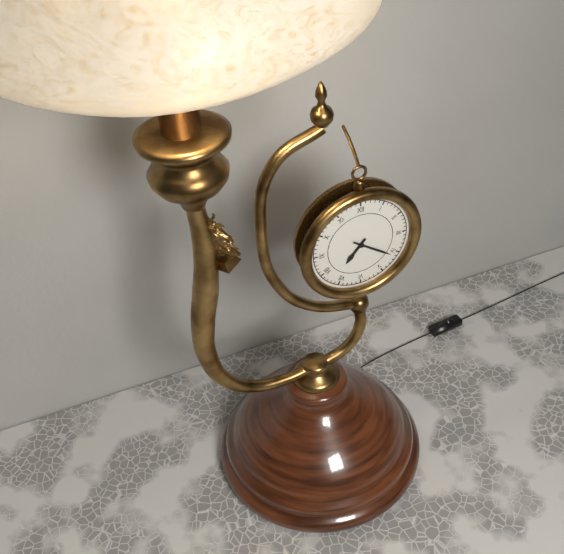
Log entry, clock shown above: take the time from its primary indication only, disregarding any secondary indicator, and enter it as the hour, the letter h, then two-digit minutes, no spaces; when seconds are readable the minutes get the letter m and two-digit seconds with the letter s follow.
7h21
